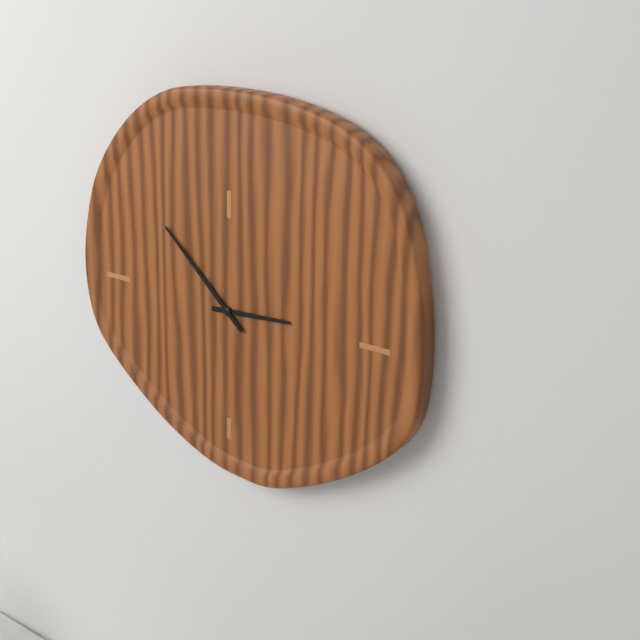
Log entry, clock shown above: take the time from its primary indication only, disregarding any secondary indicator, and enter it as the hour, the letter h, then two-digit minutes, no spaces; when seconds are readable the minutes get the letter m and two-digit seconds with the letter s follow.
2h52
